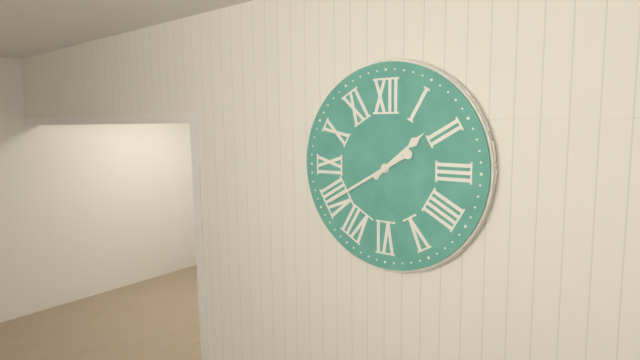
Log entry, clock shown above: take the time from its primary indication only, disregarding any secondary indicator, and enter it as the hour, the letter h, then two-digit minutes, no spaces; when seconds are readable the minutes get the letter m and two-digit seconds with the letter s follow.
1h40
